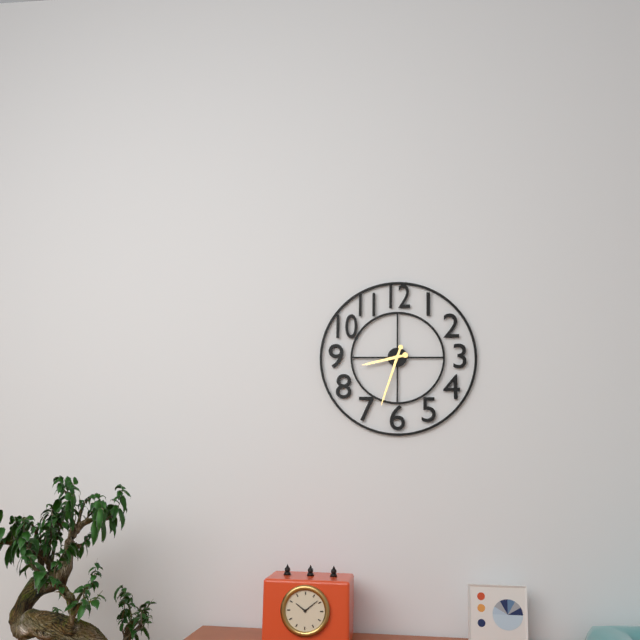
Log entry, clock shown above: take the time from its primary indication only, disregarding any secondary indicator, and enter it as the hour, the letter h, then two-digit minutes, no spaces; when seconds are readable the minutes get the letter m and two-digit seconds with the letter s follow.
8h33
